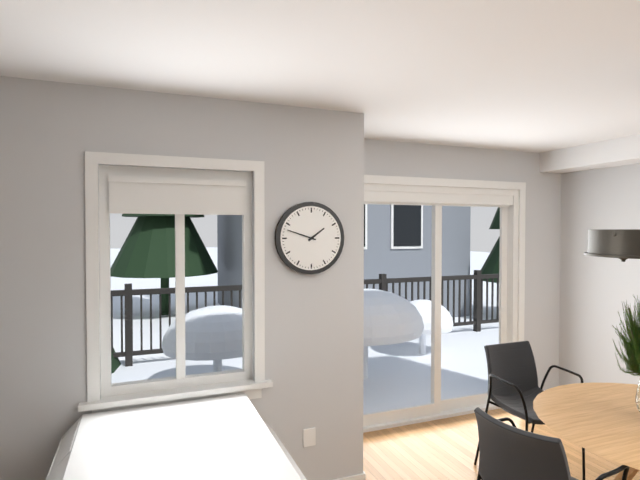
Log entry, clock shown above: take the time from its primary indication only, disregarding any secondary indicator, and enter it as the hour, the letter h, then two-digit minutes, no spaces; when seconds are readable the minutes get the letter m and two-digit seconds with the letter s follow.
1h48
